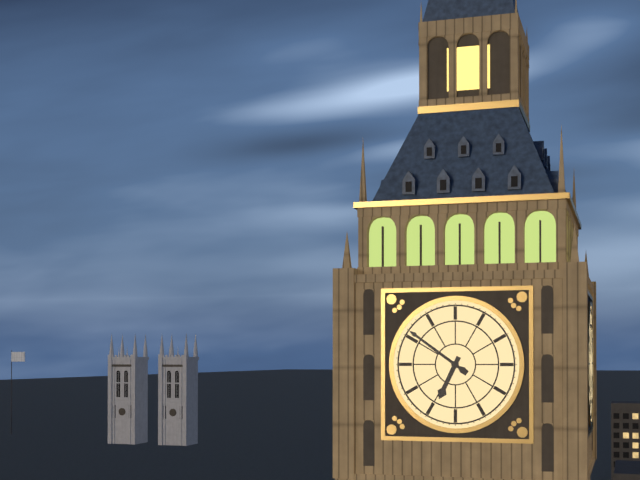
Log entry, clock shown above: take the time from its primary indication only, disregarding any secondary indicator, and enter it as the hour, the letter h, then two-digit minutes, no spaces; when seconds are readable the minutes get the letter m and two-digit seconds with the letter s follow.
6h51
